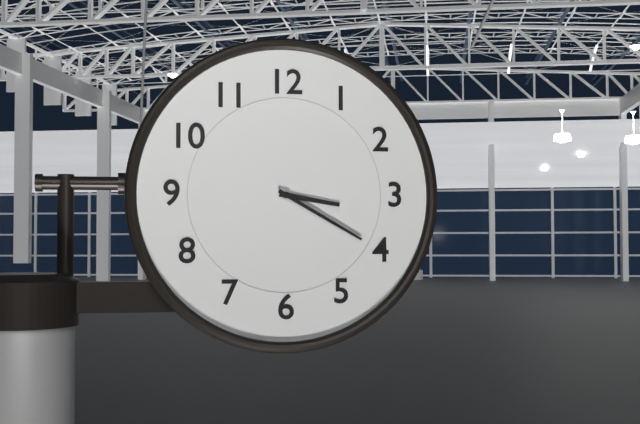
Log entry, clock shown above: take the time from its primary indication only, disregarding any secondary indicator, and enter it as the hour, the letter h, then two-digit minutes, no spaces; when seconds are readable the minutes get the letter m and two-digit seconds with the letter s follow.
3h20
